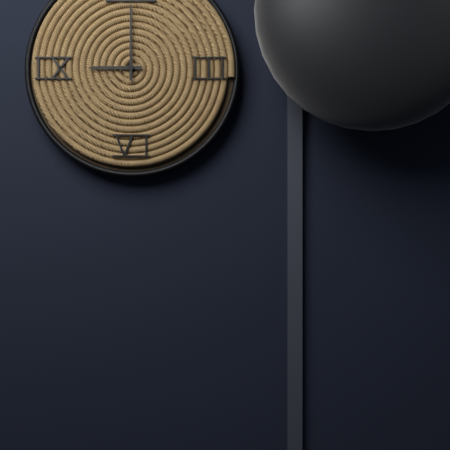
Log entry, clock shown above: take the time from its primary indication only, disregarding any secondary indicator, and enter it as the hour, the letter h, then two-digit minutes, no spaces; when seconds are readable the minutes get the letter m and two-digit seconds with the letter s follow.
9h00
